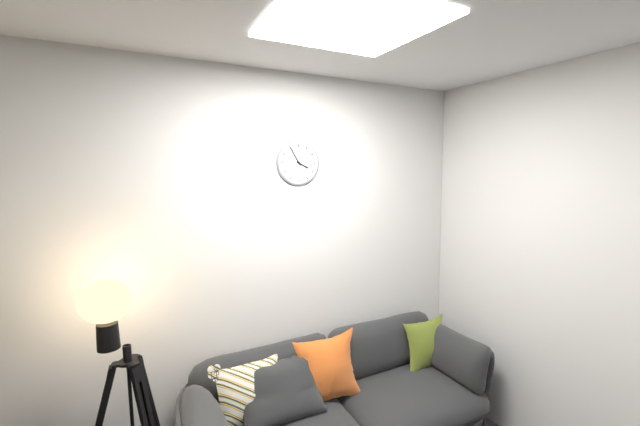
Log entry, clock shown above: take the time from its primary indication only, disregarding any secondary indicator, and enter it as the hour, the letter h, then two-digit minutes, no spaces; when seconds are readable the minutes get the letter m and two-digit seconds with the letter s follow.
3h55
